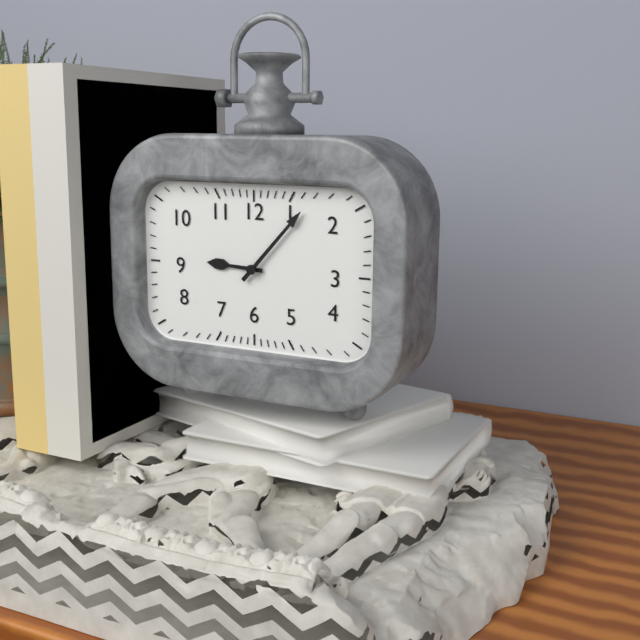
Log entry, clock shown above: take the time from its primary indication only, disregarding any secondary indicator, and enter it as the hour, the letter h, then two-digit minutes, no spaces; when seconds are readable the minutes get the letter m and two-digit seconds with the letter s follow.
9h07
